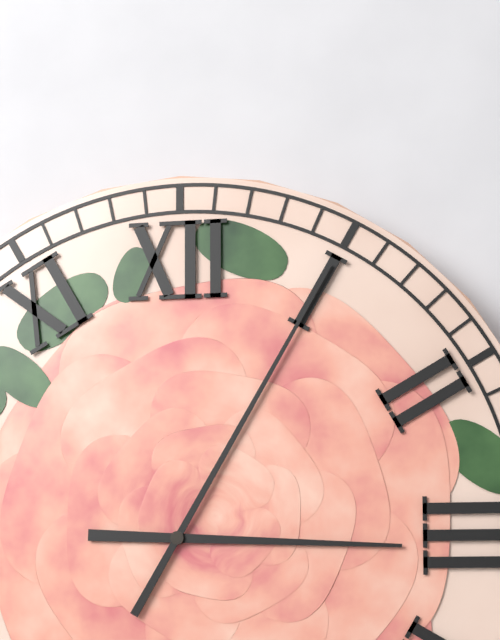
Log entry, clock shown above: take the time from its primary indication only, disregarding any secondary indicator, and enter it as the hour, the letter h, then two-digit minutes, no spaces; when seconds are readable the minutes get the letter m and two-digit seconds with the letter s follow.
3h05
